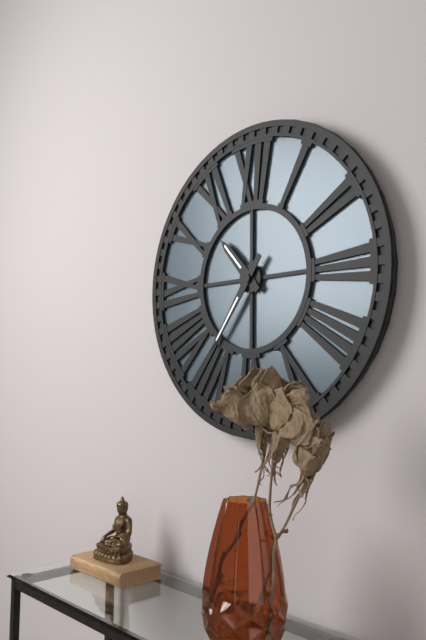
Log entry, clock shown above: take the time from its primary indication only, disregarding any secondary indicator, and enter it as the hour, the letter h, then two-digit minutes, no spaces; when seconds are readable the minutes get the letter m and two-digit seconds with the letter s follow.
10h36
